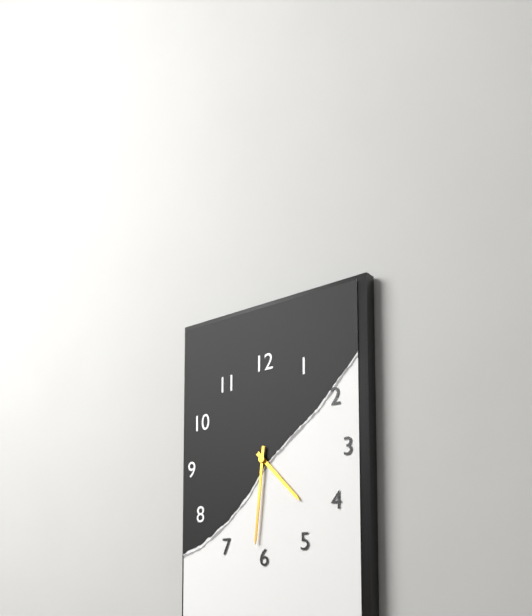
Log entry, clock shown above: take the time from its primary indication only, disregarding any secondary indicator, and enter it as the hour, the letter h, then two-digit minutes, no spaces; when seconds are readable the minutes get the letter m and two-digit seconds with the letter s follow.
4h31
